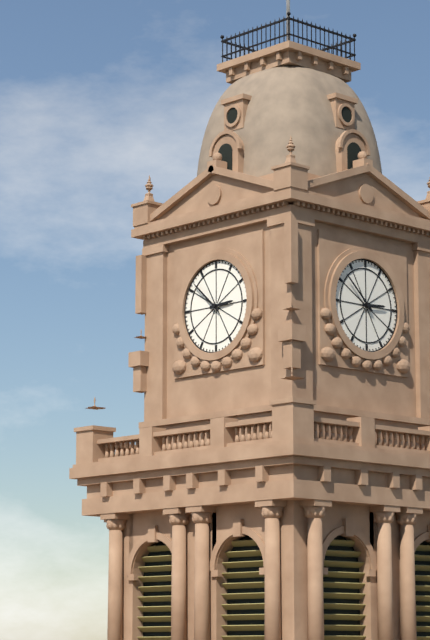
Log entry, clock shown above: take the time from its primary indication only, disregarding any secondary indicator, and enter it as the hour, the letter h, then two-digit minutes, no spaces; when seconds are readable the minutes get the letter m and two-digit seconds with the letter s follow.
2h52
